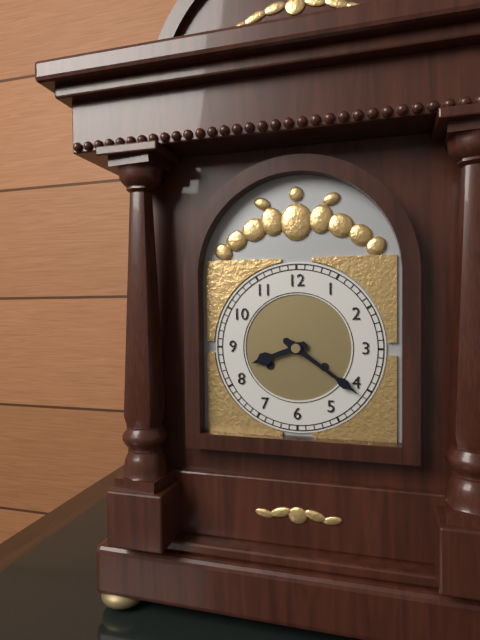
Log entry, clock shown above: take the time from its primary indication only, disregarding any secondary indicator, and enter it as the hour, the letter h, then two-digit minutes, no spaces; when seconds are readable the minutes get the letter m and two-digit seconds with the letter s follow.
8h21
